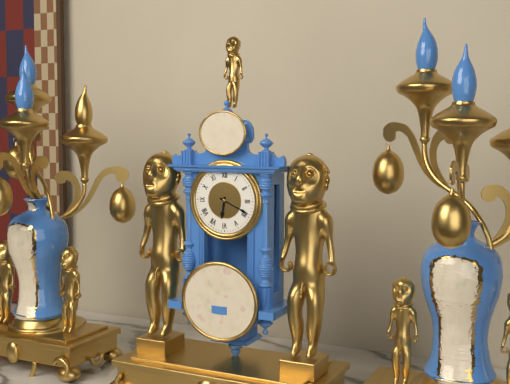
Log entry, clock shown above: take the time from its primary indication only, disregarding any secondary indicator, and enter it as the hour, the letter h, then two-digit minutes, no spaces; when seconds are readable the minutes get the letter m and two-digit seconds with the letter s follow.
6h19
